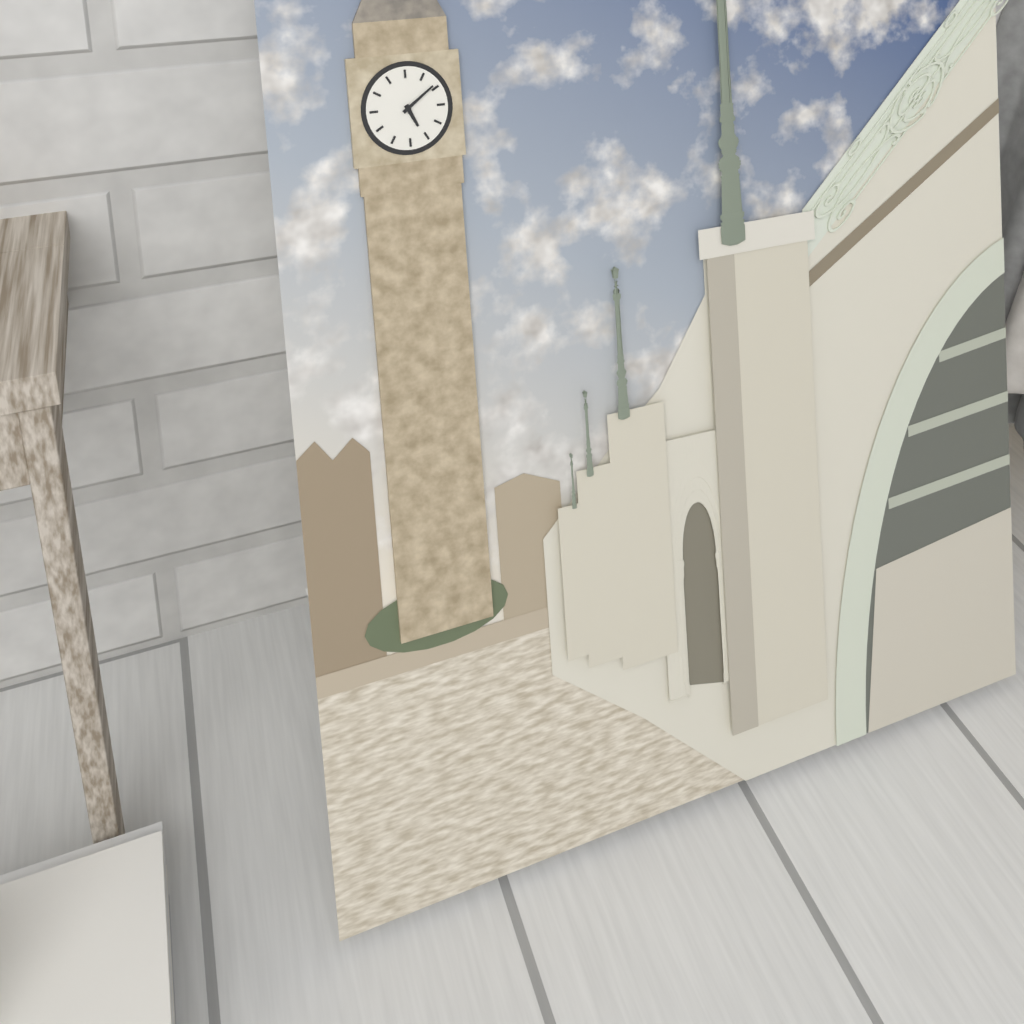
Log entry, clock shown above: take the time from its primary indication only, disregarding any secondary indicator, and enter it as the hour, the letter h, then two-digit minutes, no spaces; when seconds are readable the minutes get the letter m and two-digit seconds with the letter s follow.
5h09
